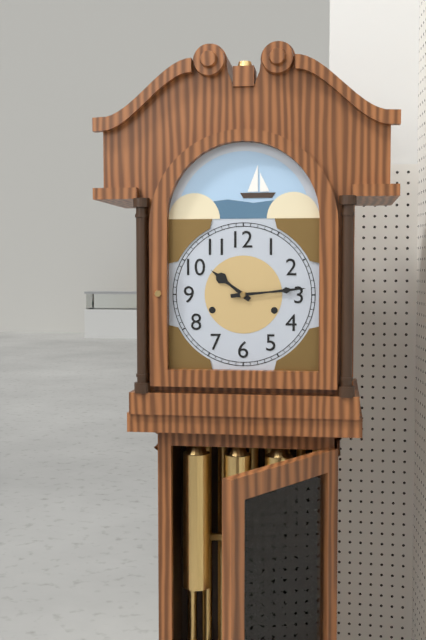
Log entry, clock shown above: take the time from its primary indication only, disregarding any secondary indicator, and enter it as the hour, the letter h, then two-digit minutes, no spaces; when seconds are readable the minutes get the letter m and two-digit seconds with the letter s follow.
10h14
